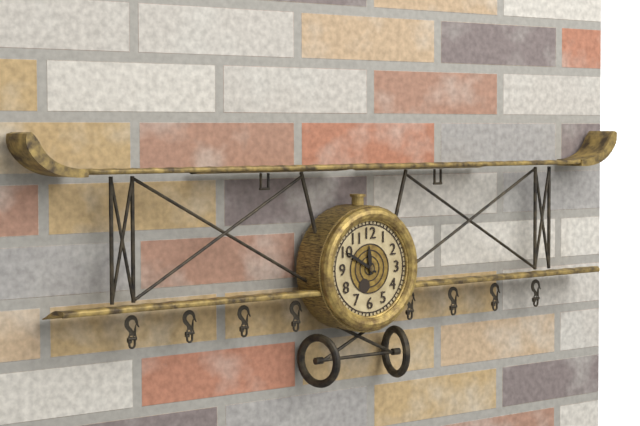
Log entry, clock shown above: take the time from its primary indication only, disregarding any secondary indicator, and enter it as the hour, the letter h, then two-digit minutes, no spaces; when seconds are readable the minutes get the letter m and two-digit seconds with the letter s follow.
11h50
